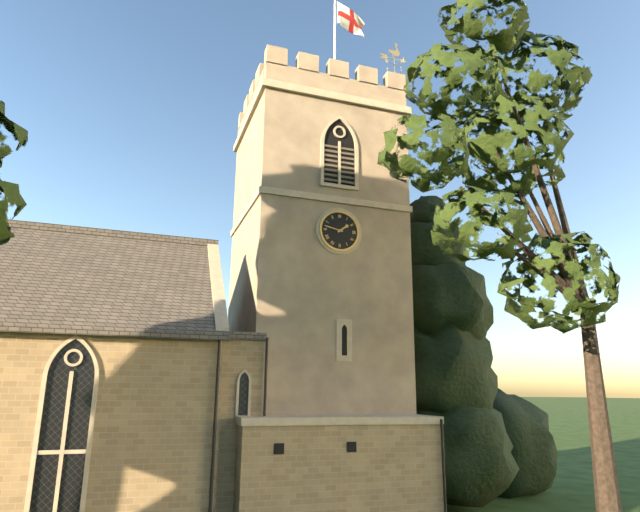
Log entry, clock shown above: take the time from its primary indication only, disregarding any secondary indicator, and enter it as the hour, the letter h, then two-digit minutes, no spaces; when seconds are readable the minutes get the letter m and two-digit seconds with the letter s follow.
1h47
